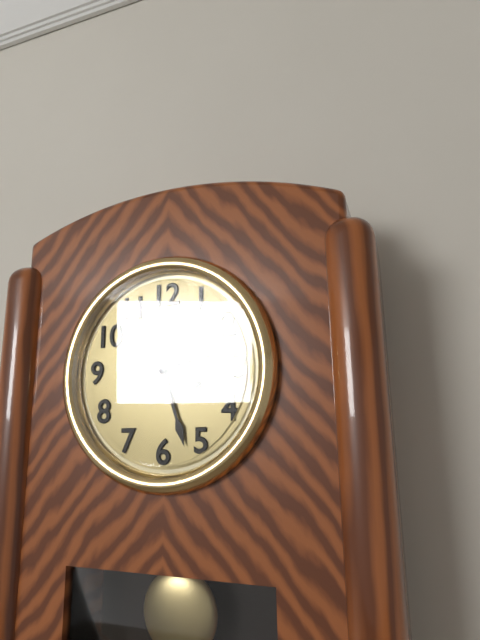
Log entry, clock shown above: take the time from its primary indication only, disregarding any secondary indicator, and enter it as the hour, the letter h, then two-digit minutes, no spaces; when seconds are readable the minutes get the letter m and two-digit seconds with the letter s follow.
2h27
